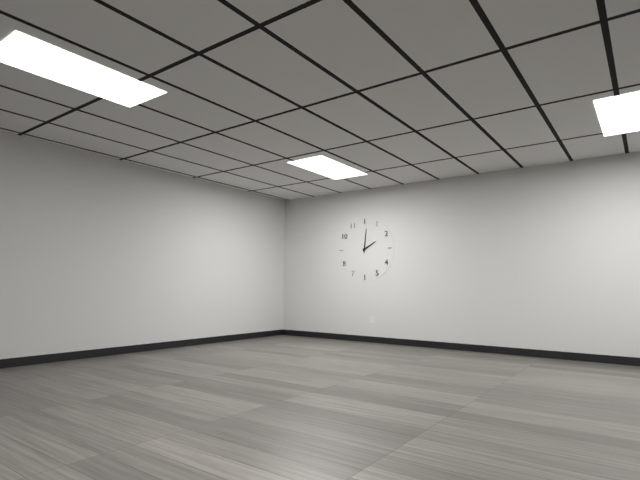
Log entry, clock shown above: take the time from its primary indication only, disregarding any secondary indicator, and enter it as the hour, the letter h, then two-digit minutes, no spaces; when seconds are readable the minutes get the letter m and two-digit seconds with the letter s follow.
2h01
